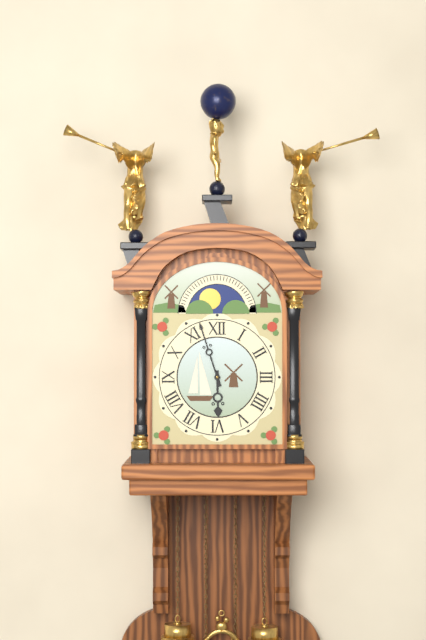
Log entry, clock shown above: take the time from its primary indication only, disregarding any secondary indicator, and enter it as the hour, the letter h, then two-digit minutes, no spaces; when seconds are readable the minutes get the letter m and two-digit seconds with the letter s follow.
5h57
